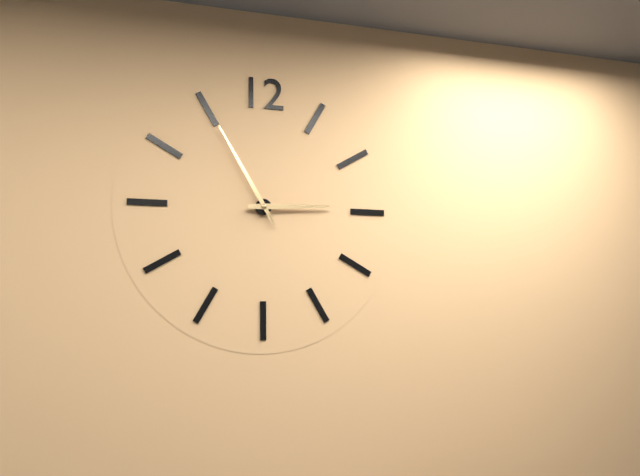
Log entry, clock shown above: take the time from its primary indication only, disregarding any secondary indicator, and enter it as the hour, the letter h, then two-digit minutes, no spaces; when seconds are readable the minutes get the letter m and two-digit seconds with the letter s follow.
2h55
